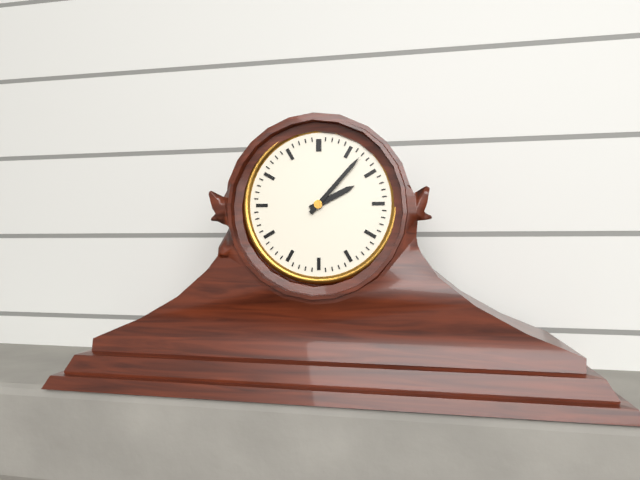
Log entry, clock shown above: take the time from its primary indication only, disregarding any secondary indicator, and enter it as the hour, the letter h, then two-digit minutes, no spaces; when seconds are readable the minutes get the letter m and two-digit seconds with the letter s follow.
2h07
